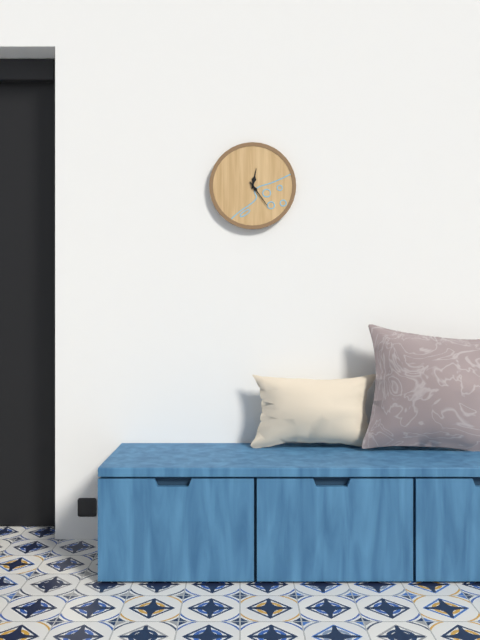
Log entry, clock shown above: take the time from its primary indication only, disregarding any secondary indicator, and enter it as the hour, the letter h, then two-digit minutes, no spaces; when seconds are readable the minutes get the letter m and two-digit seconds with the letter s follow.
12h24
